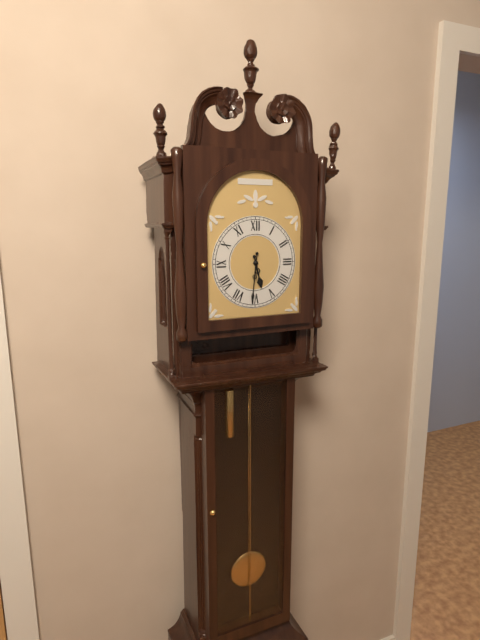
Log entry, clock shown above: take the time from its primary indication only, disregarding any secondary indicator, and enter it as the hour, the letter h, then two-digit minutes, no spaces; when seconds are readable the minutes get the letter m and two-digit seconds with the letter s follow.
5h31
